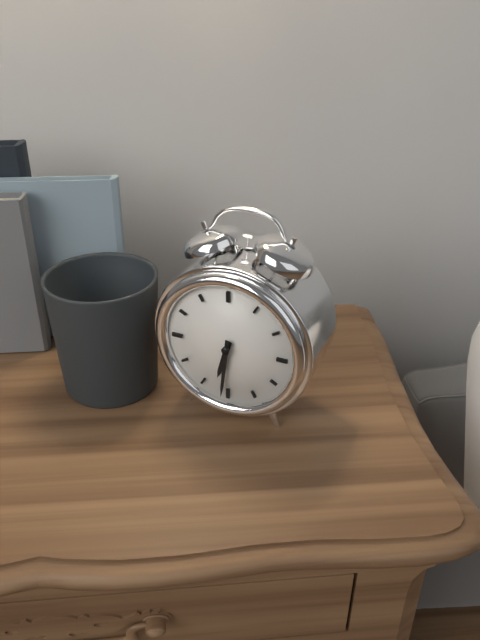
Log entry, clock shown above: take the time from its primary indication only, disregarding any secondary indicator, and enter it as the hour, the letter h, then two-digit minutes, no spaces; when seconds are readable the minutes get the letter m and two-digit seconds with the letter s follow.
6h31
